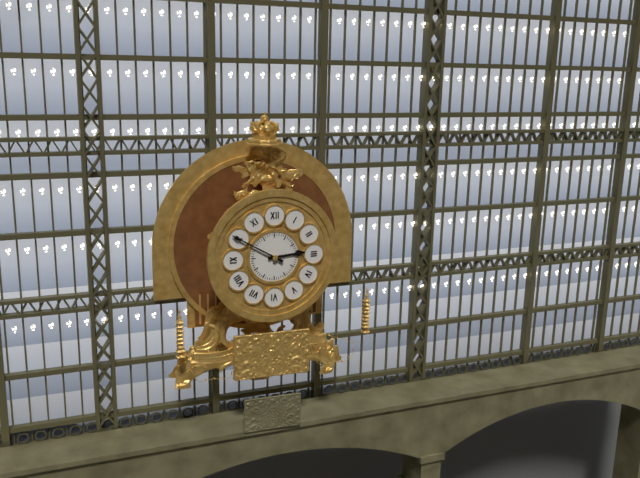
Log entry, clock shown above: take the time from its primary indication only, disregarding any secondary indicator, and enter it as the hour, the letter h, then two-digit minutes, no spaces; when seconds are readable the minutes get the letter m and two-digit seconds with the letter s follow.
2h50
